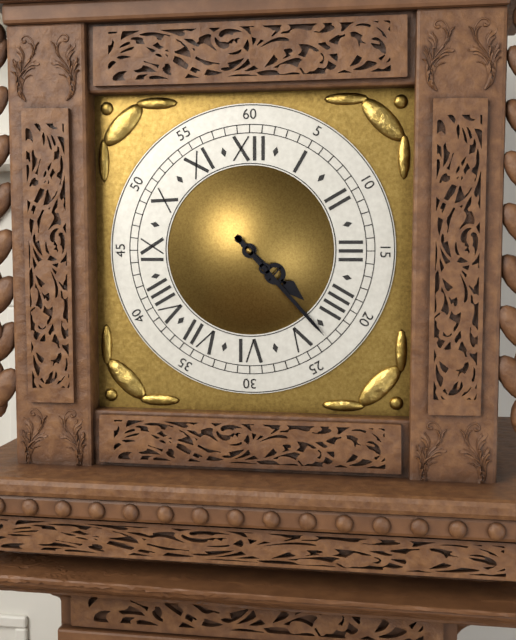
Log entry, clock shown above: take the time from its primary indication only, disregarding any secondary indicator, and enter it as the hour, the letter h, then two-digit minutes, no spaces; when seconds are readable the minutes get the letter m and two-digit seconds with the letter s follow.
4h23
